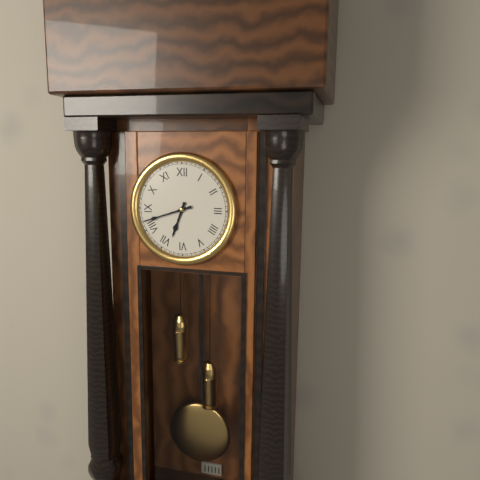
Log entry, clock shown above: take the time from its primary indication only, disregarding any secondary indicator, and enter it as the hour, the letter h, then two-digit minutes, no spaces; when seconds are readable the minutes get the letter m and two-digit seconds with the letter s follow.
6h42
